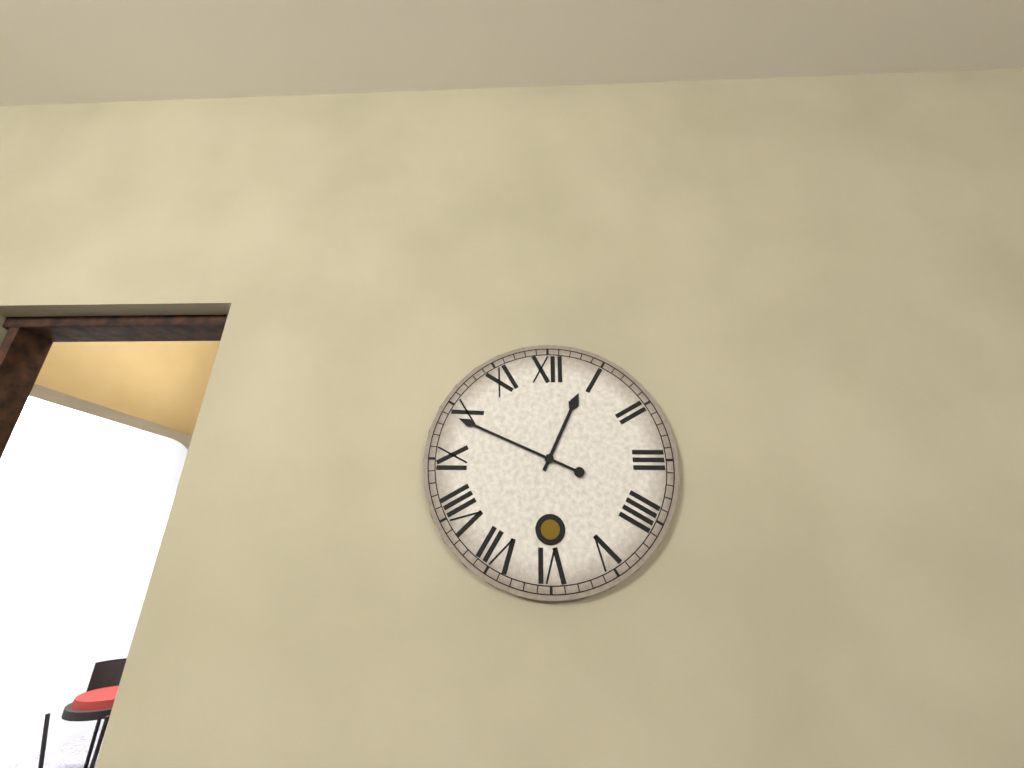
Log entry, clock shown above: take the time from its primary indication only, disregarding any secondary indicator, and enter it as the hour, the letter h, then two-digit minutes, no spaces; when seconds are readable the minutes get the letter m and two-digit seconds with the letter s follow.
12h49
